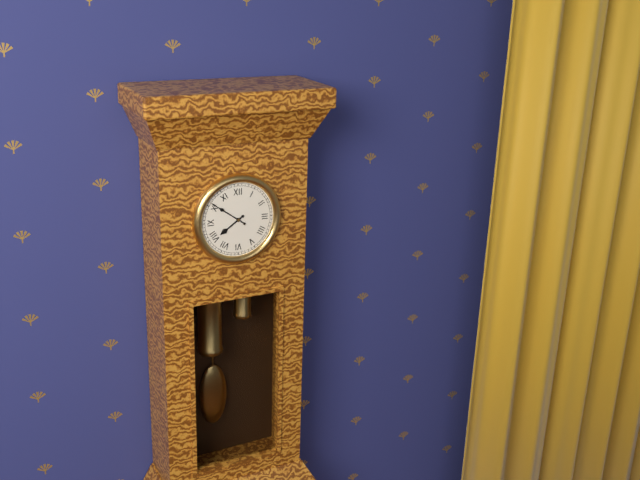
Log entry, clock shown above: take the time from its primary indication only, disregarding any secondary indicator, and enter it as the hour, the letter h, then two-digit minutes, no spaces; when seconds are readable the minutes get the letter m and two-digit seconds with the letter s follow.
7h51
